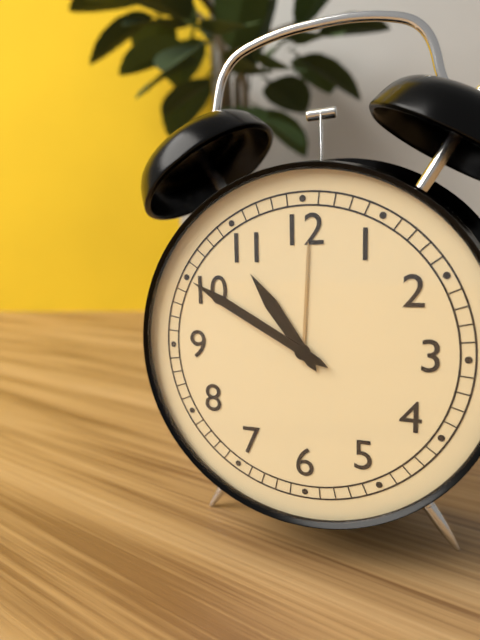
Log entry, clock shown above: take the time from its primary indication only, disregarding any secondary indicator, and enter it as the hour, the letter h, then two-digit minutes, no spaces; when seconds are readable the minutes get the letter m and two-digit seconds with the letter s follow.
10h50
